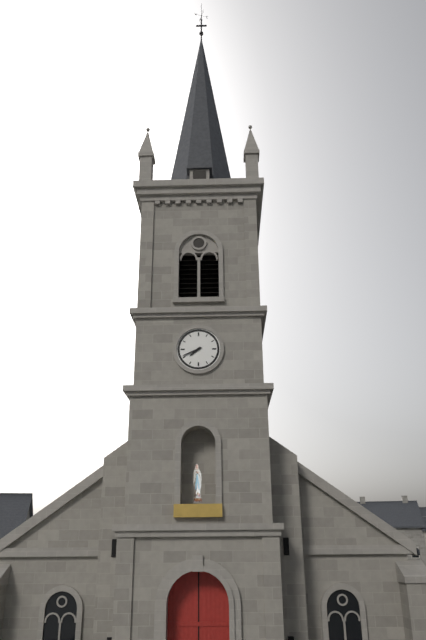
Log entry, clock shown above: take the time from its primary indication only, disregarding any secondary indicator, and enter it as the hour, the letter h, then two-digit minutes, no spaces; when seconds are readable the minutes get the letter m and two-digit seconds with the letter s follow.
7h41
